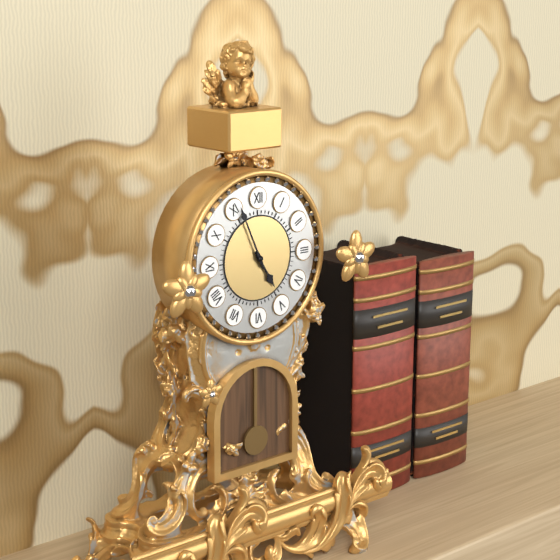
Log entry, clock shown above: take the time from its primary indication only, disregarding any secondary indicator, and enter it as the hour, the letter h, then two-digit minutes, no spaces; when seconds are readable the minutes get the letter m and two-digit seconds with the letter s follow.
4h56
